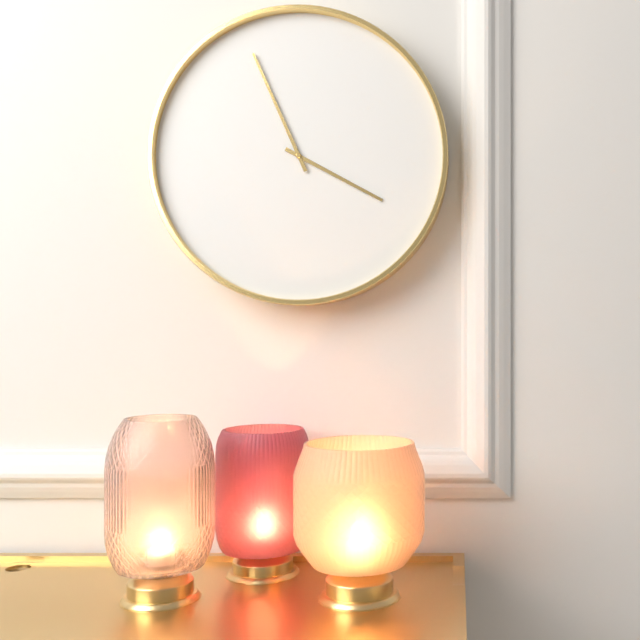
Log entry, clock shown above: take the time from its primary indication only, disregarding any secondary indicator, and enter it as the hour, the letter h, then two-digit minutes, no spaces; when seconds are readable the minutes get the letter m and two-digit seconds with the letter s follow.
3h56
